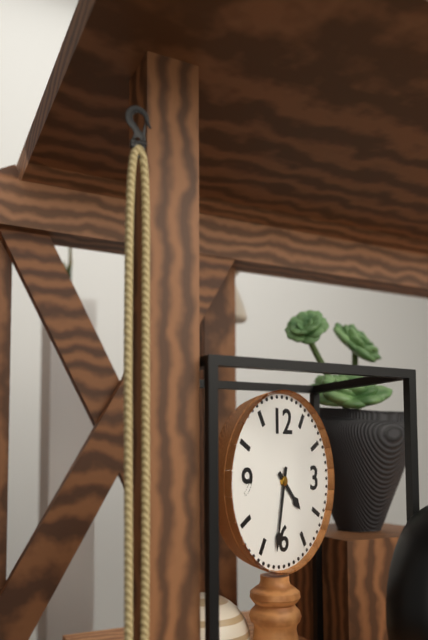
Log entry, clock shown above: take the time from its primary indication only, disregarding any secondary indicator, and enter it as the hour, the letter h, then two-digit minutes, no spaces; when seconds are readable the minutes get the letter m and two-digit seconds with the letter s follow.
4h32
